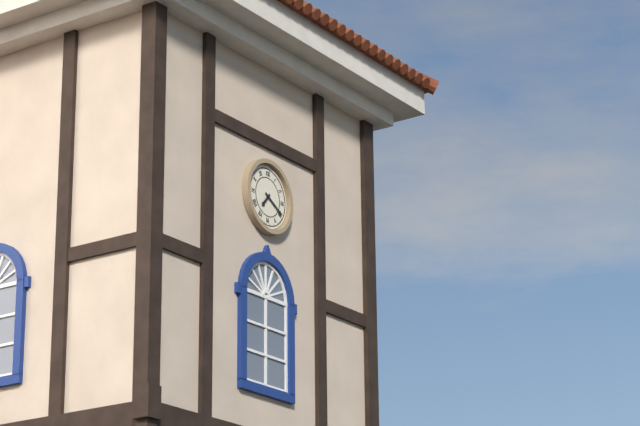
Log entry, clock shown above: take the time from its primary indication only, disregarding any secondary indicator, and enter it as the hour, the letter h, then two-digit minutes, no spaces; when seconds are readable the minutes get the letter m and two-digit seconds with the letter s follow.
7h20
